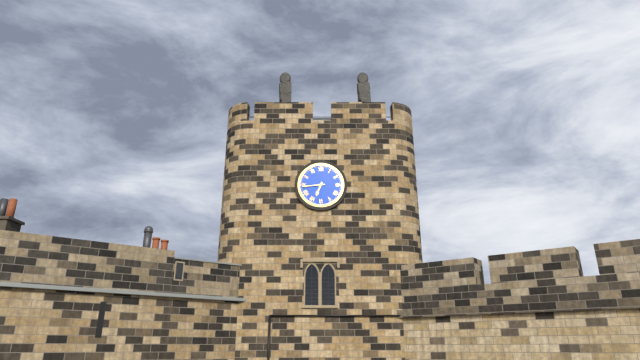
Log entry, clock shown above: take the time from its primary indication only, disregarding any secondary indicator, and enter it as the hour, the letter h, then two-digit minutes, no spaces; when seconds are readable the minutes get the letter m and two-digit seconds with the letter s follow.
6h44
